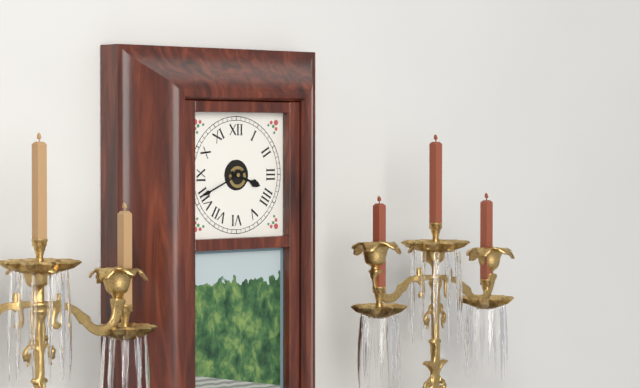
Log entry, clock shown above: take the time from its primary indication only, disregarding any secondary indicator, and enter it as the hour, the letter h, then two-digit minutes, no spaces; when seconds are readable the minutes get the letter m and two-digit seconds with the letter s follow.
3h41
